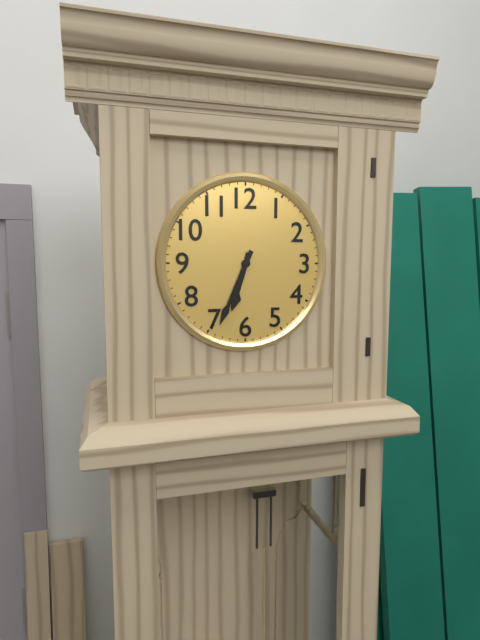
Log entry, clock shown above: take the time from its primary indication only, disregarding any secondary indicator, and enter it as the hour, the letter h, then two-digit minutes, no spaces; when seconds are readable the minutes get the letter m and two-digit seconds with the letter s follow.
6h34
